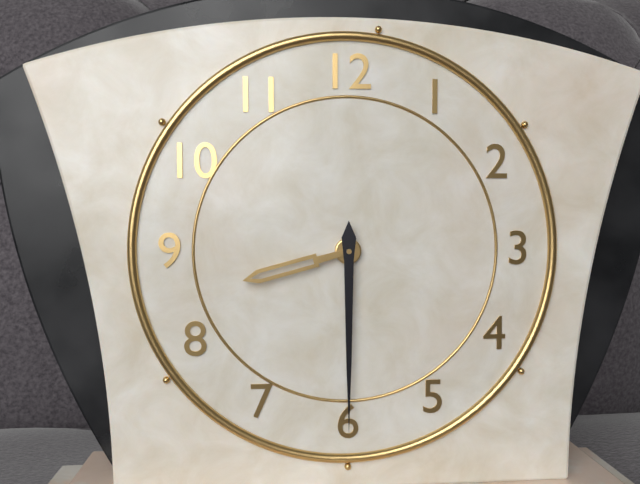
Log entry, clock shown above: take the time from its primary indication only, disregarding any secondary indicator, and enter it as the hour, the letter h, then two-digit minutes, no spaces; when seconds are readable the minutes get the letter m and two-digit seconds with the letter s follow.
8h30
